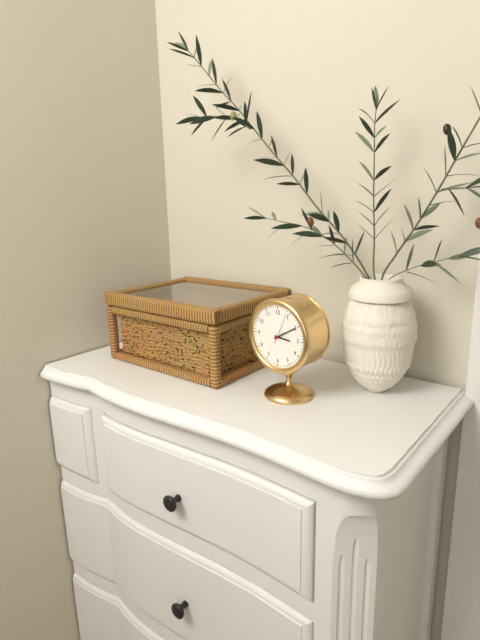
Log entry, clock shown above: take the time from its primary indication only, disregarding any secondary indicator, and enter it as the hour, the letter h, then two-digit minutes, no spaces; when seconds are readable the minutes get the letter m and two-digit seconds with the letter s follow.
3h10
